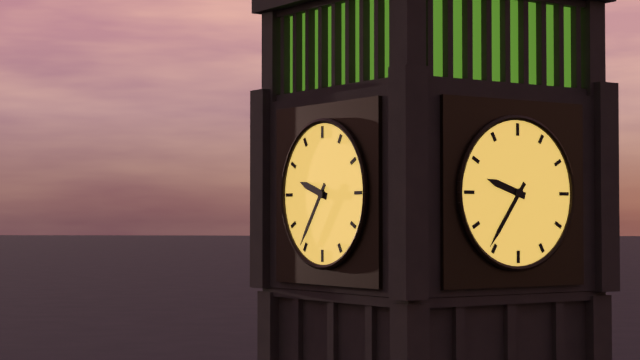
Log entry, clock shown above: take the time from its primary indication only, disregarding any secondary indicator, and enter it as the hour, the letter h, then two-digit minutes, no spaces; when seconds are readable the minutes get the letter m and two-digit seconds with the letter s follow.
9h36
